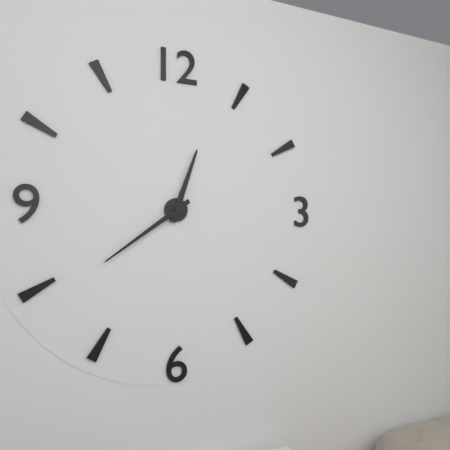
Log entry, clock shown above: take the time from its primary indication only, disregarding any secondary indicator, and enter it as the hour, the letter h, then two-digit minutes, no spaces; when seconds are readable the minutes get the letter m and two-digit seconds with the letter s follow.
12h39
